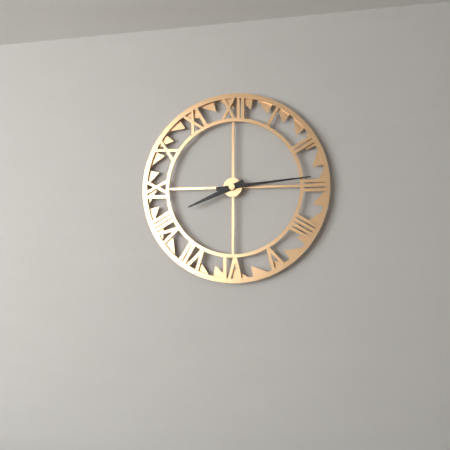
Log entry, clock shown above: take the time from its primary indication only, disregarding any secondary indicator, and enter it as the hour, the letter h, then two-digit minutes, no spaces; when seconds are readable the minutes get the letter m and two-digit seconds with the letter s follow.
8h14
